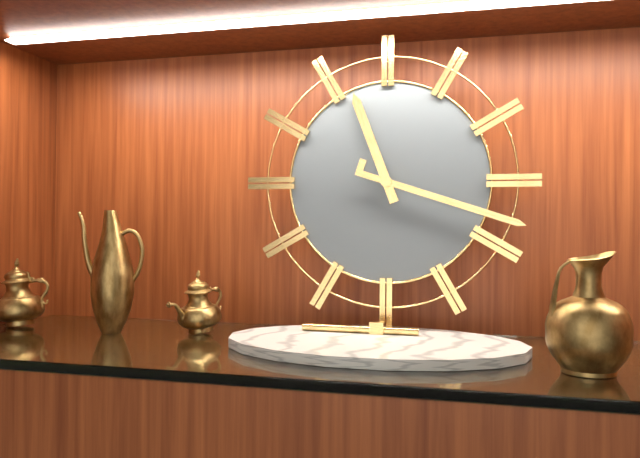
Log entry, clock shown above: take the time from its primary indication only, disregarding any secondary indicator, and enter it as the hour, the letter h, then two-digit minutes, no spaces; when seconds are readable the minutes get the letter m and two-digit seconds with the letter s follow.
11h18
